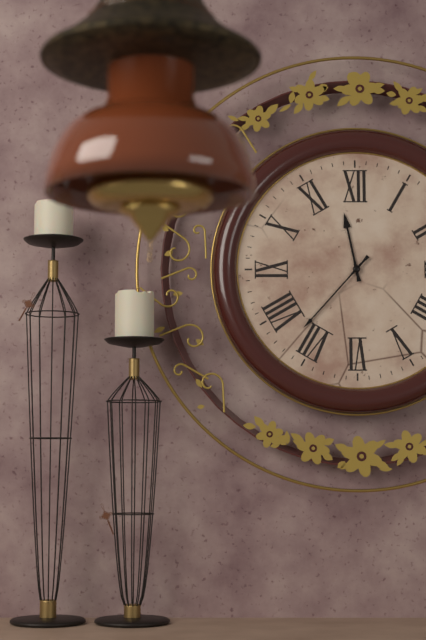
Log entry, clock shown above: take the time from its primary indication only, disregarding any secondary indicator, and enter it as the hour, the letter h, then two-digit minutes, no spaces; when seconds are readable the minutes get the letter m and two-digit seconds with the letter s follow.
11h37
